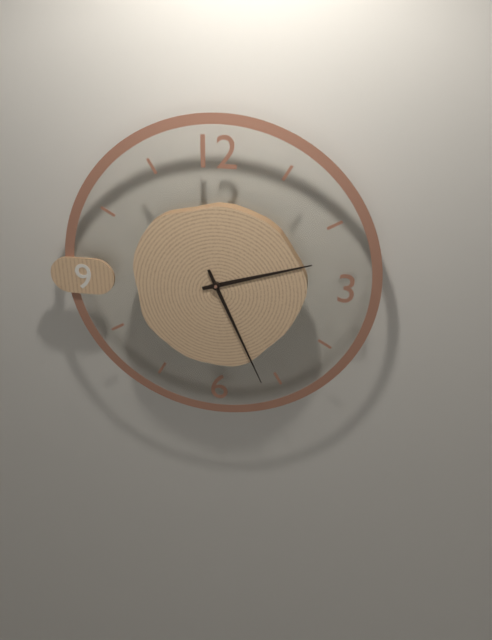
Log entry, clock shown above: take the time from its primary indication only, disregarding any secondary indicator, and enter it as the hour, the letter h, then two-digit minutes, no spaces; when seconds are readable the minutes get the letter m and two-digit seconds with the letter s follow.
2h26
